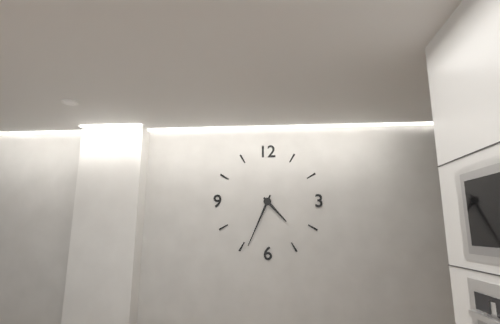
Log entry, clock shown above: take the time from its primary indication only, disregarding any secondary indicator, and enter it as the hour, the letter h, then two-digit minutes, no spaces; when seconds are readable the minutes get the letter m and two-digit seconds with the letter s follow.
4h34
